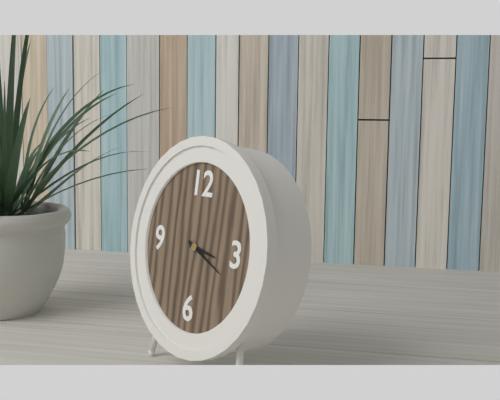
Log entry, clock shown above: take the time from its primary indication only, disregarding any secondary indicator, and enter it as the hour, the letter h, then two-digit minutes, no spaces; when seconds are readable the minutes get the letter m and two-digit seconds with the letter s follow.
3h19
